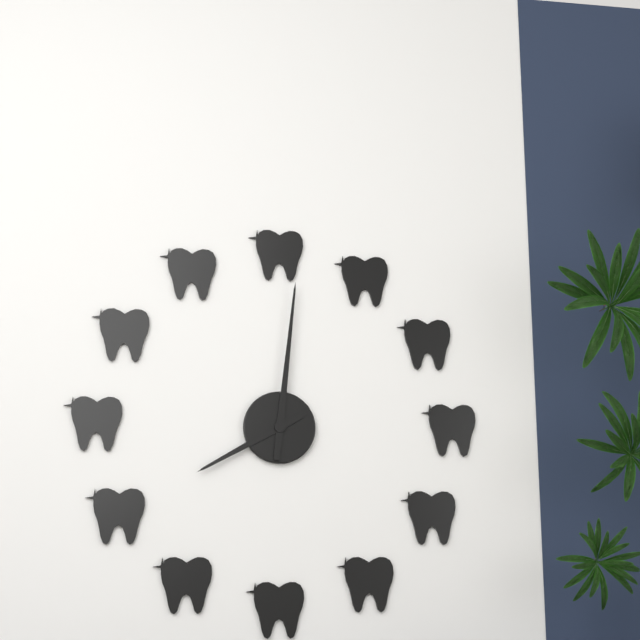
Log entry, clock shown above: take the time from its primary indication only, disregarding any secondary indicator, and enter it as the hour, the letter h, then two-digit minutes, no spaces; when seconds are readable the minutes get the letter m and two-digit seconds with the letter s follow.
8h01
